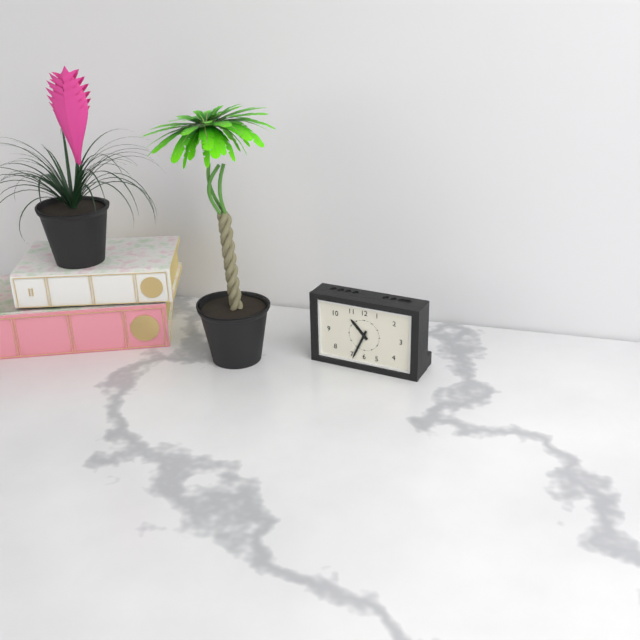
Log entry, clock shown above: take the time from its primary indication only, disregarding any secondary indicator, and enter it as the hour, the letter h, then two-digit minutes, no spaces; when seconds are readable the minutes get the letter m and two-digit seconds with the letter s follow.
10h34
